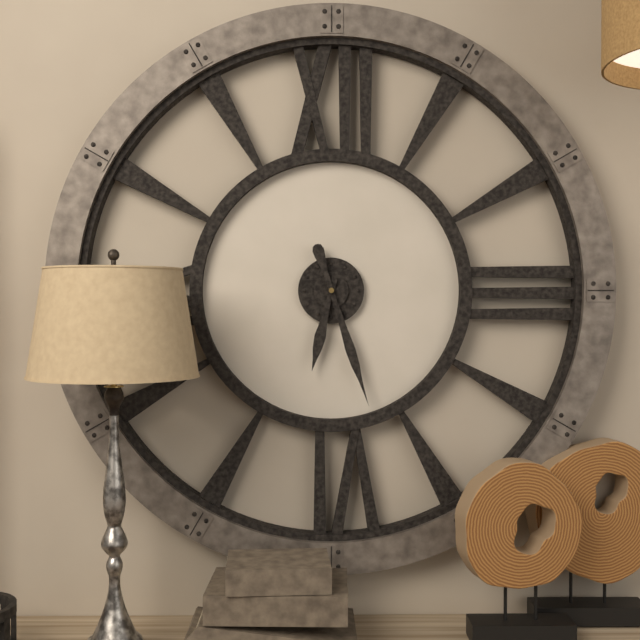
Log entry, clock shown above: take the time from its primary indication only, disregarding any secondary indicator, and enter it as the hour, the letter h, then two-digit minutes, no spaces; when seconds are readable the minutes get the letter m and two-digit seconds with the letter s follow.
6h27
